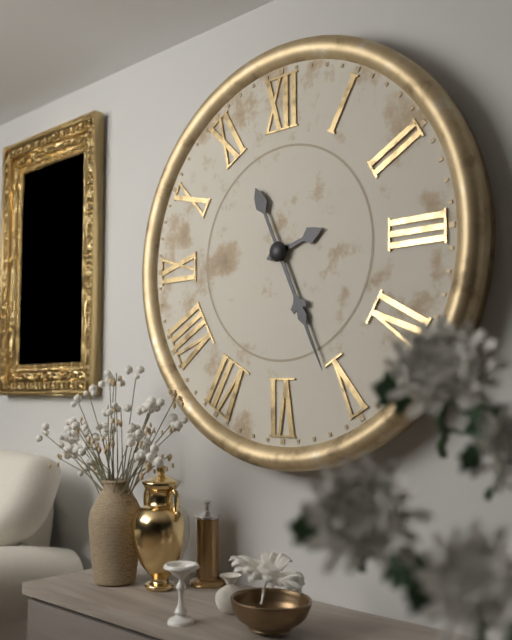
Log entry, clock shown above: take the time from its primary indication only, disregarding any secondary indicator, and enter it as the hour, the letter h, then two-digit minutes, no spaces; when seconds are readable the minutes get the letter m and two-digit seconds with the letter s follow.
2h26
